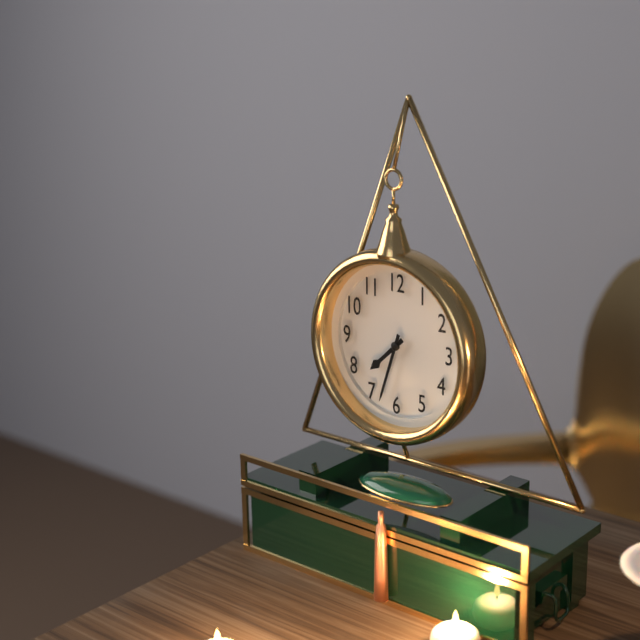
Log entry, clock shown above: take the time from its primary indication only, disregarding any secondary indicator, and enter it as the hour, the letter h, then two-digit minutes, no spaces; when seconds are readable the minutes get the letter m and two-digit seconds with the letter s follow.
7h33
